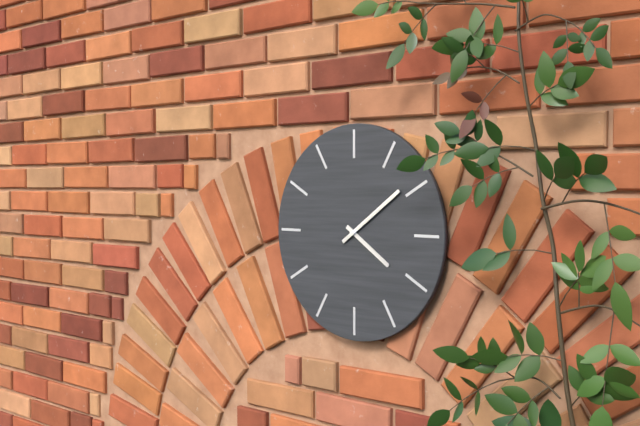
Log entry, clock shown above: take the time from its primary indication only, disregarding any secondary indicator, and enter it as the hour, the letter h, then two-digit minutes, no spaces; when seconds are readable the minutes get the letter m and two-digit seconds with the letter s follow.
4h09
